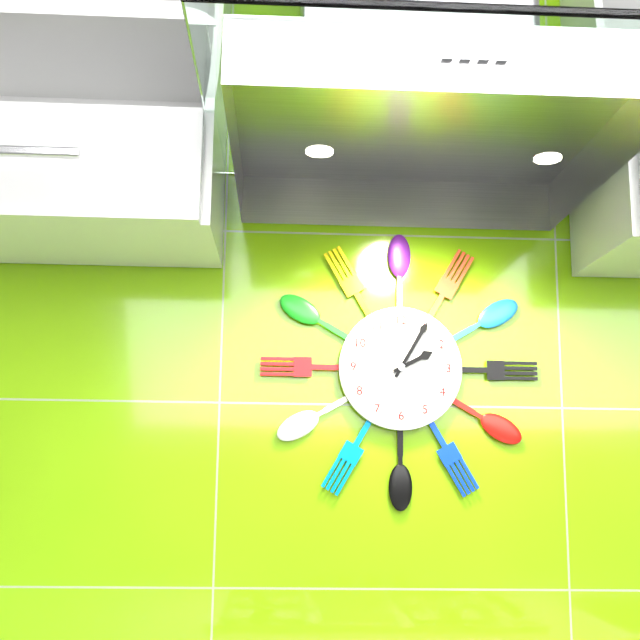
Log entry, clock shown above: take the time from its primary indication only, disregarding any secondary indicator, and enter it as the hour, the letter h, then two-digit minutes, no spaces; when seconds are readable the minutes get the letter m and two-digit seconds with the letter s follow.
2h05
